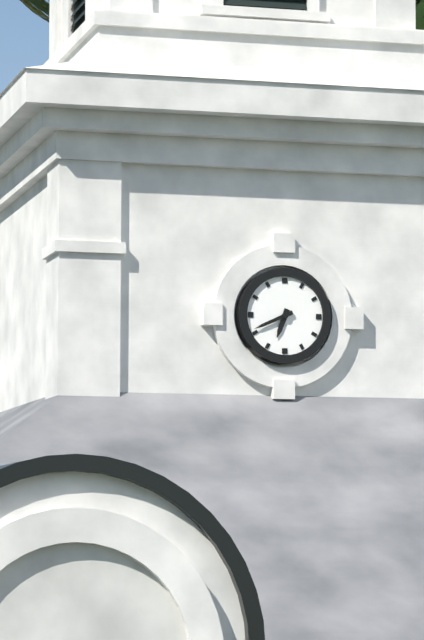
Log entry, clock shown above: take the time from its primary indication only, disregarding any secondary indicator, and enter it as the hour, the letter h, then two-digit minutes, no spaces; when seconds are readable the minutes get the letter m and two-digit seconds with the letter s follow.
6h41
